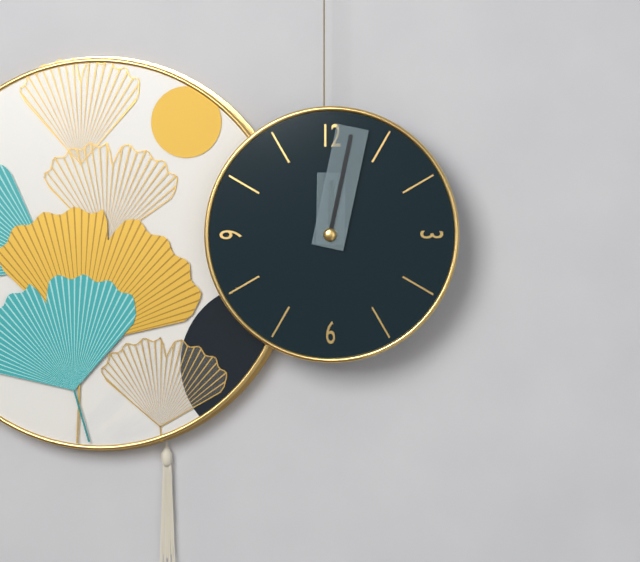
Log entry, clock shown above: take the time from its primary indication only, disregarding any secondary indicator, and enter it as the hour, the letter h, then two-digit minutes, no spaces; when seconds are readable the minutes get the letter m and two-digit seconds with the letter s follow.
12h02
